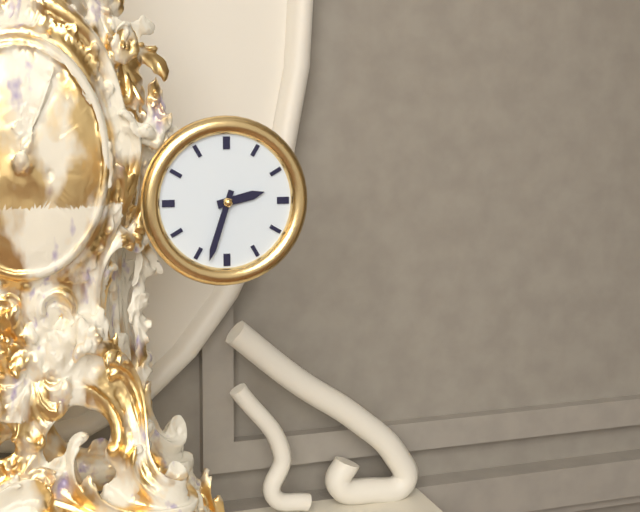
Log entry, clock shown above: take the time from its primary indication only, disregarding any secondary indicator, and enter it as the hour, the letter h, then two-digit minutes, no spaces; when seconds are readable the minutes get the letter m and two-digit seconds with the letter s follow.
2h33
